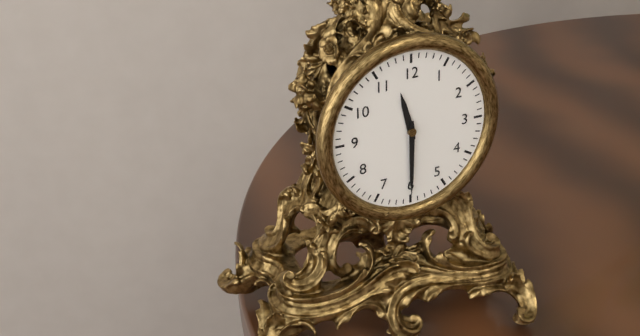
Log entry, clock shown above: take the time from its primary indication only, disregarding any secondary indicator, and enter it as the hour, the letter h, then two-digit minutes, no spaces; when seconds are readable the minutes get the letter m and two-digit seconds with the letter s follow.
11h30
